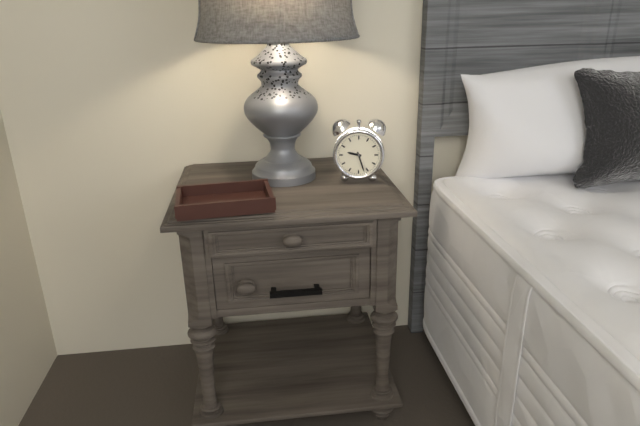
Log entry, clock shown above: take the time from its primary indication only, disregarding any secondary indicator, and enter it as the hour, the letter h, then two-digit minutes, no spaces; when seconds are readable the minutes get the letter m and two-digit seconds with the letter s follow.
9h27
